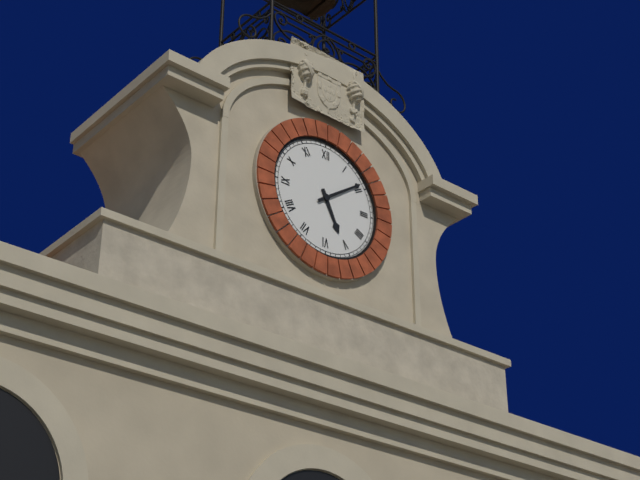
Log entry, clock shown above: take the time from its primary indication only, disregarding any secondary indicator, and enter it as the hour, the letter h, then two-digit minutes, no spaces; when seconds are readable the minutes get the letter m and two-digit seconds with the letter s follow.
5h09
